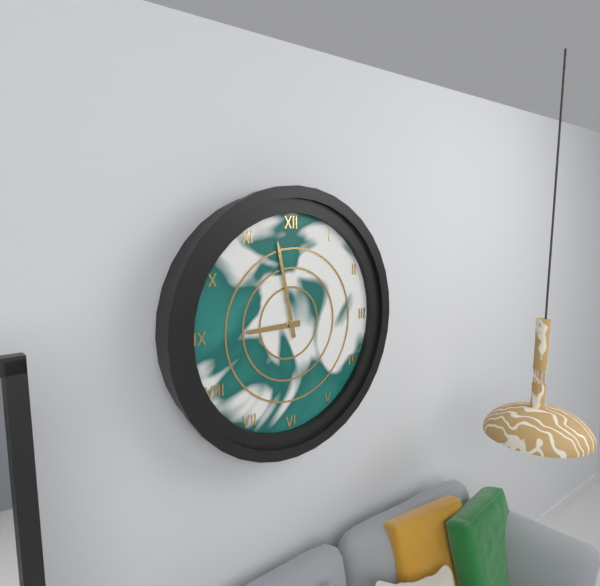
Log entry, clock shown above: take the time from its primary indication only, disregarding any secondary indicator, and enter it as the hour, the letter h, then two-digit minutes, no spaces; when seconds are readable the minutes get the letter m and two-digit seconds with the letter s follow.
8h58
